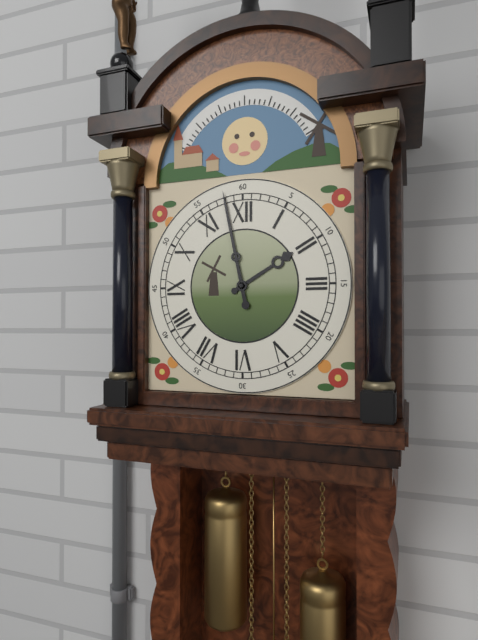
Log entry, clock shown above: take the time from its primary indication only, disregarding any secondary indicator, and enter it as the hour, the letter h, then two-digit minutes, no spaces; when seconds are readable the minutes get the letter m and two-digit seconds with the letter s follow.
1h58
